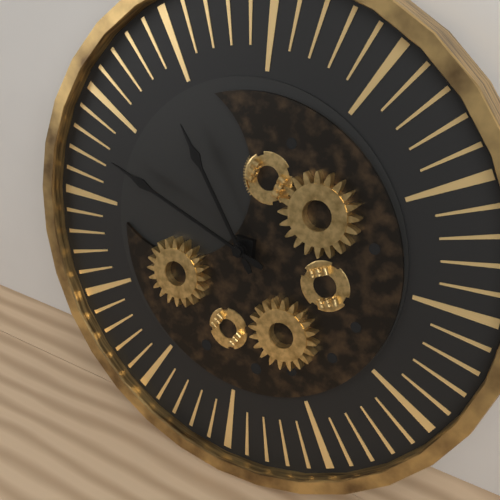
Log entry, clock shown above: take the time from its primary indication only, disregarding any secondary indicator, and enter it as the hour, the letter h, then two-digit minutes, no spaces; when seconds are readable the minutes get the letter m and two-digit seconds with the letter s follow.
10h48
